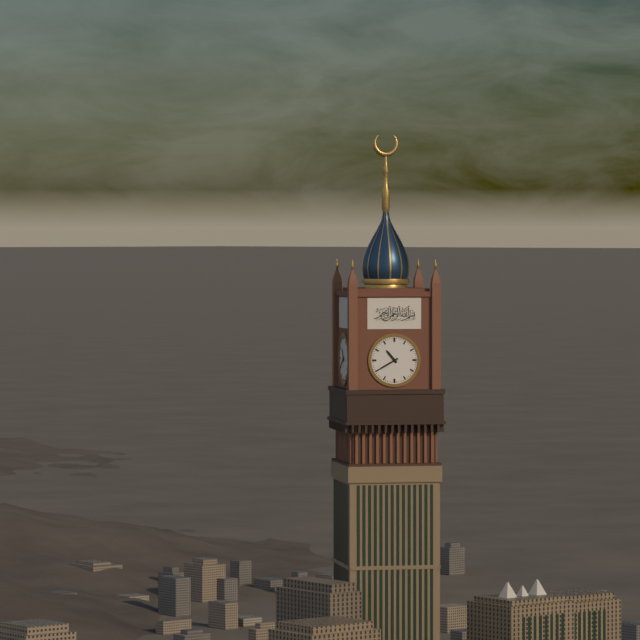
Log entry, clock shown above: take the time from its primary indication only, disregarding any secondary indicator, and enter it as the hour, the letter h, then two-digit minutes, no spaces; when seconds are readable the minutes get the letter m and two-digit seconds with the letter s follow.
10h40
